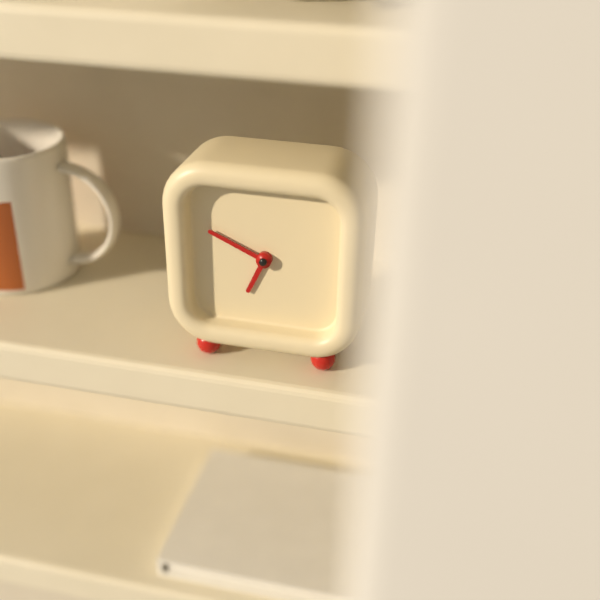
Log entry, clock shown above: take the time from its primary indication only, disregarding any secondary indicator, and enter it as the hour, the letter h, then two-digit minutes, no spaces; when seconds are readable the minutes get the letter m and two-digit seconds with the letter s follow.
6h49
